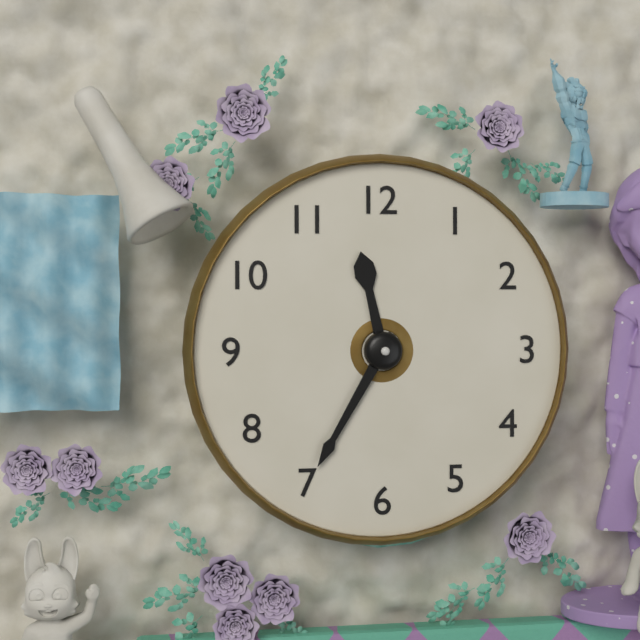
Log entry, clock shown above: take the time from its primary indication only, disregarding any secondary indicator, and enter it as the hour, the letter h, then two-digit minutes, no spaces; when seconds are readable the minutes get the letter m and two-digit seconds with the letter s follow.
11h35
